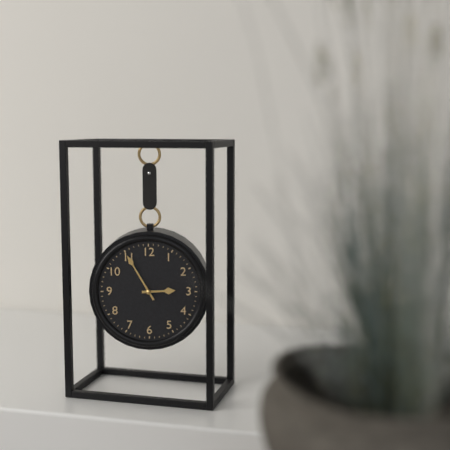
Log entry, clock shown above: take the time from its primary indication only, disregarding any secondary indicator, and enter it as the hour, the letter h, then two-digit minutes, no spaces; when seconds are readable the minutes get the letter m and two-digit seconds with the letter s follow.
2h55
